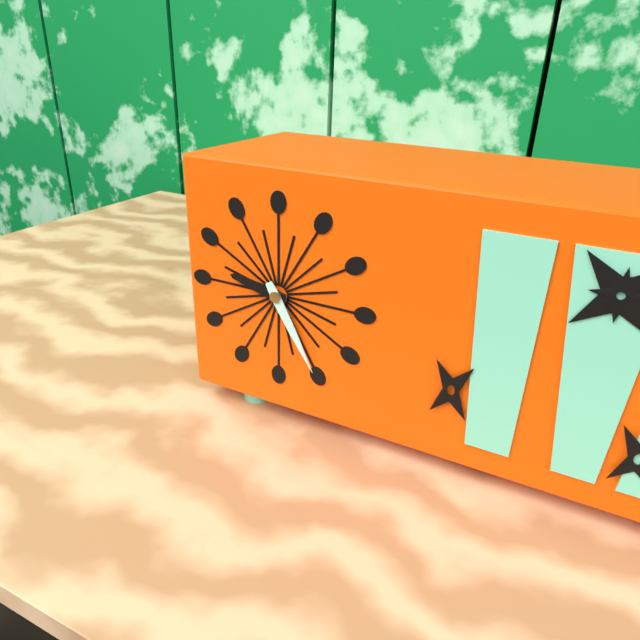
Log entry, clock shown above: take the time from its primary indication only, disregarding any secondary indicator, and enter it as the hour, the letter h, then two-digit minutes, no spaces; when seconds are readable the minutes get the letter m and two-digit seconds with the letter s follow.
9h25
